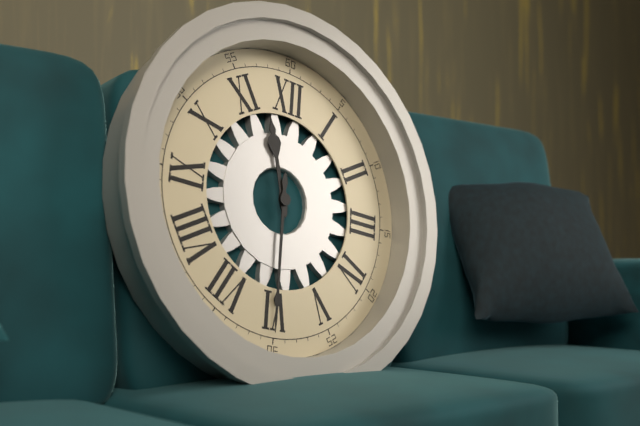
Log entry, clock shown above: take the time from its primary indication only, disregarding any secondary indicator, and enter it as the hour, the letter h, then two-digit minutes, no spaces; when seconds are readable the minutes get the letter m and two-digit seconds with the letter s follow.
11h30
